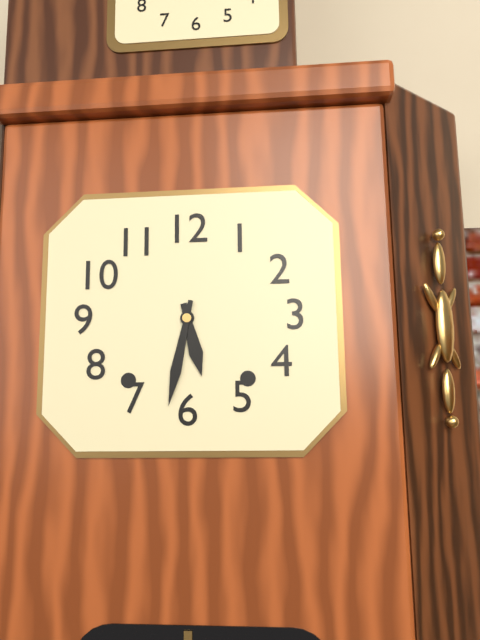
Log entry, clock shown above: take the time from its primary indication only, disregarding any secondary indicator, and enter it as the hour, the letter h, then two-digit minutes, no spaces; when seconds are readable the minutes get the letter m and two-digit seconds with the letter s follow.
5h32
